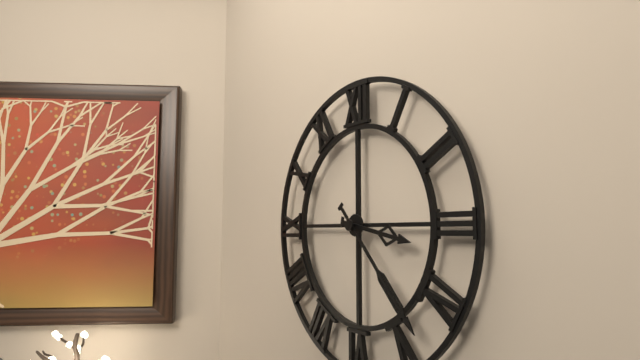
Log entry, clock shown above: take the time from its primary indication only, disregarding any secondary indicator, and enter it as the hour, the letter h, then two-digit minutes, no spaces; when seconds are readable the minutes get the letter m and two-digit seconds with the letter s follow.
3h23
